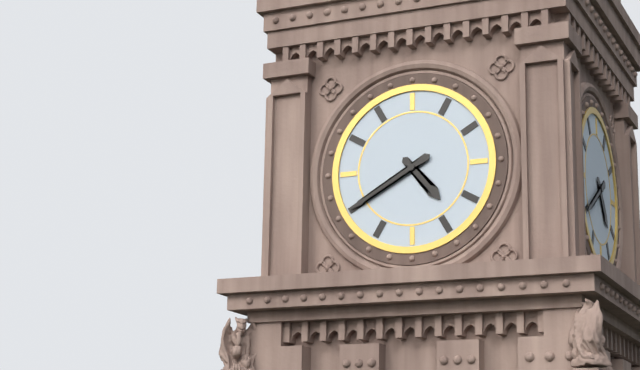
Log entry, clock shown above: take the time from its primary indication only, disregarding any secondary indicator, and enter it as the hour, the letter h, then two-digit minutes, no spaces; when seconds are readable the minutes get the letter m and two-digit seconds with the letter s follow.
4h40
